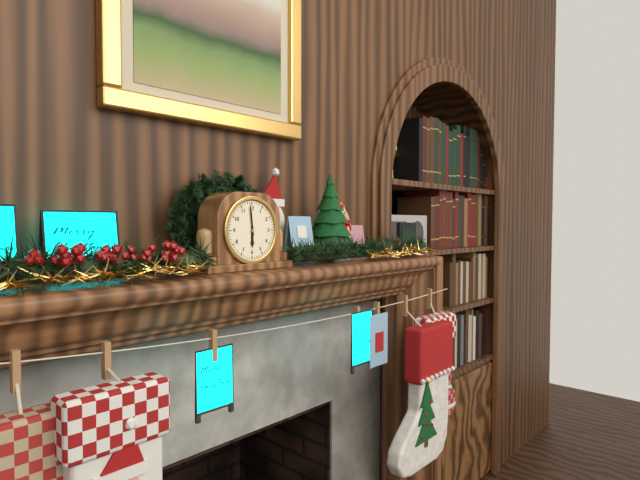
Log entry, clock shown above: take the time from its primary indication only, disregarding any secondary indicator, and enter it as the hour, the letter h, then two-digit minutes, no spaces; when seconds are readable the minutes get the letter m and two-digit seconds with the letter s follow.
5h59
